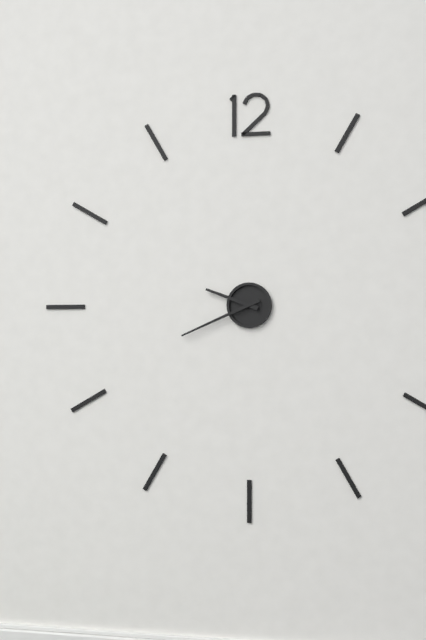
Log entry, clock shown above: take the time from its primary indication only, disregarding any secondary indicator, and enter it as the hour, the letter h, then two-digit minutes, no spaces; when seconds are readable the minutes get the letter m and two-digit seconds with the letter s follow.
9h41
